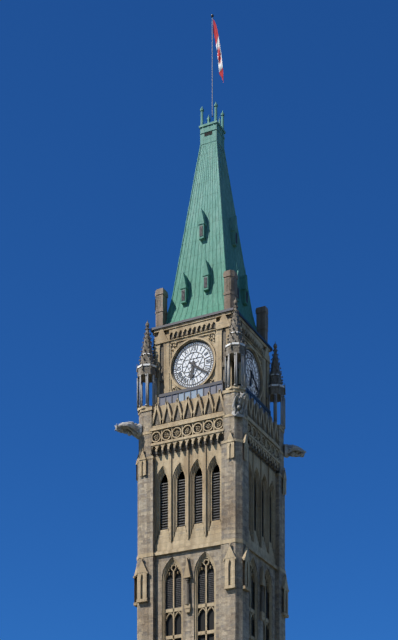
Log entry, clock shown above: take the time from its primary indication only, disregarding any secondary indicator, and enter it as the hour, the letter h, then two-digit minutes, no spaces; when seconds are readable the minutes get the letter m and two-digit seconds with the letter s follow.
6h21
